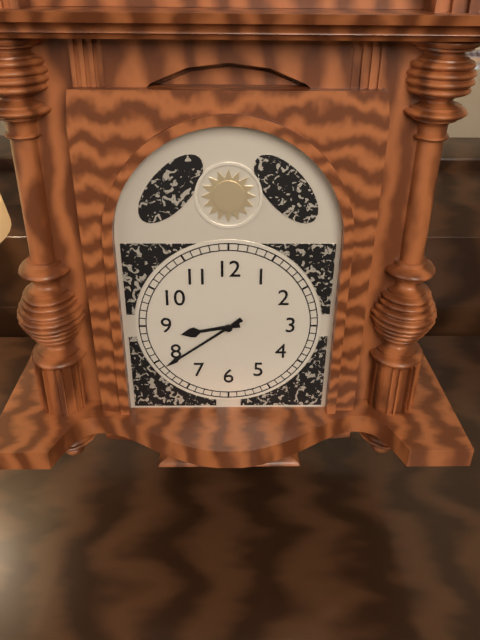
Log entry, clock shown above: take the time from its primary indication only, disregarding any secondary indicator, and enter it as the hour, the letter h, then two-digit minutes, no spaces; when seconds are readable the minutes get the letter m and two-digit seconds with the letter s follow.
8h39
